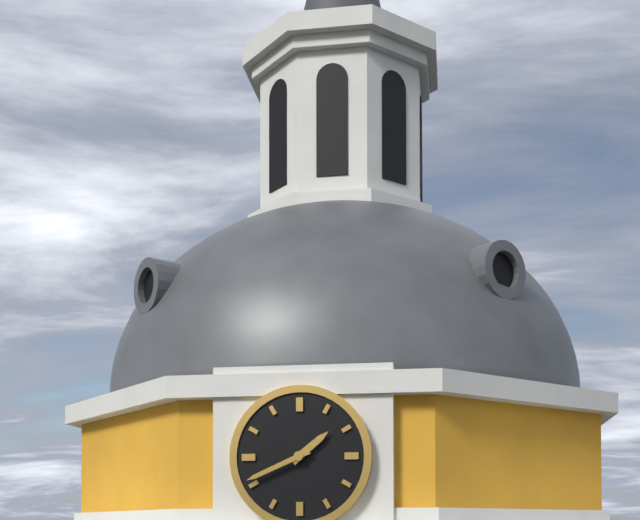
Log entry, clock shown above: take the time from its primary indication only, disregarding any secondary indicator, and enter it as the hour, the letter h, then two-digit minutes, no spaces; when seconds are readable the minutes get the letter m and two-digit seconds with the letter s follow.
1h41
